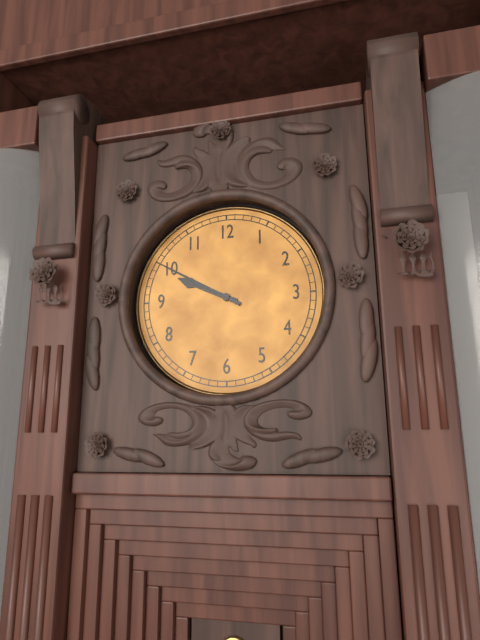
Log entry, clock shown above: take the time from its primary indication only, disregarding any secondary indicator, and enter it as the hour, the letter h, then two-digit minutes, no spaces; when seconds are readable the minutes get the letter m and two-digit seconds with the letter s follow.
9h50
